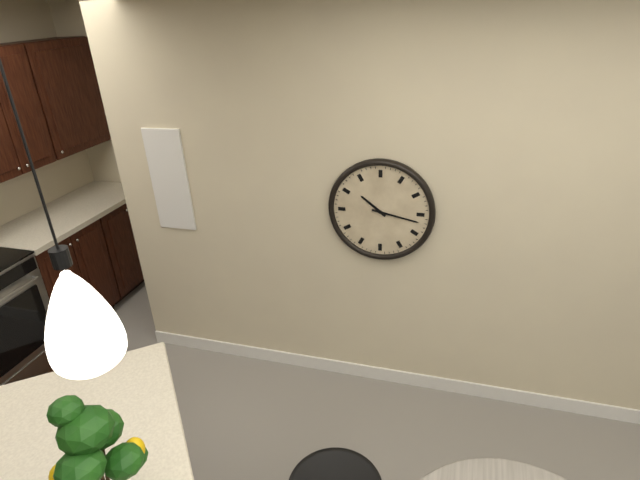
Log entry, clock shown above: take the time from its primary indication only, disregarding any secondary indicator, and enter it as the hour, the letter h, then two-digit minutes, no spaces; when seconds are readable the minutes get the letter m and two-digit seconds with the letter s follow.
10h17
